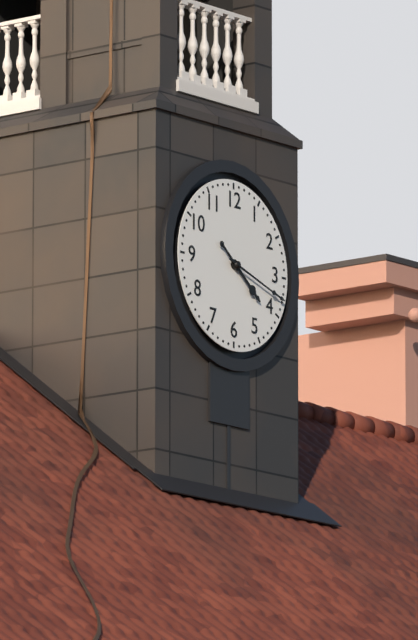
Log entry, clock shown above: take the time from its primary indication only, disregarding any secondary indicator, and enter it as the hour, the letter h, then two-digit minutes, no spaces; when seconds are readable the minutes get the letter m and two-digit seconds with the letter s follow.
4h18
